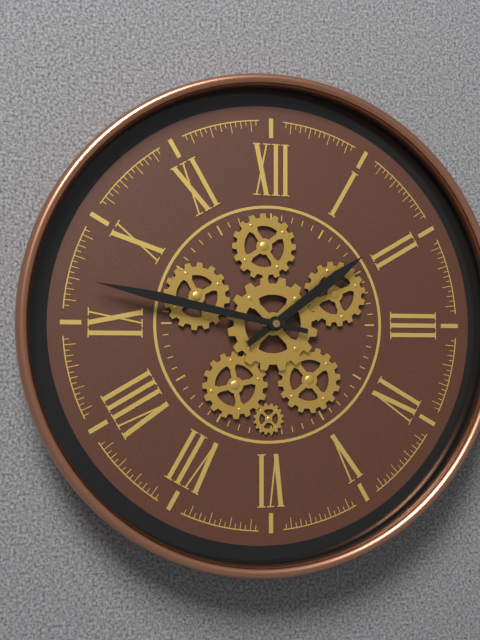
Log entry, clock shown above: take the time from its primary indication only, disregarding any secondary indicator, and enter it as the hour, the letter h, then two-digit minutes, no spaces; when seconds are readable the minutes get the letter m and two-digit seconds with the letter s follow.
1h47
